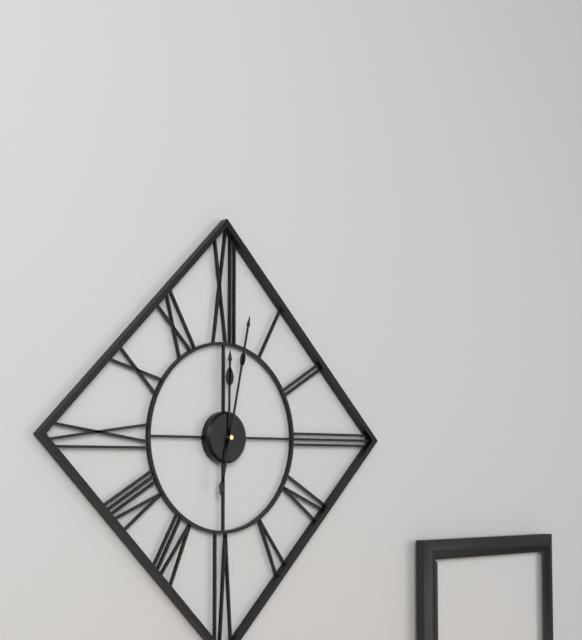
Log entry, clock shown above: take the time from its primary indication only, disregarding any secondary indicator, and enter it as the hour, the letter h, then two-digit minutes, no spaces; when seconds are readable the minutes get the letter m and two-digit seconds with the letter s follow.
12h02
